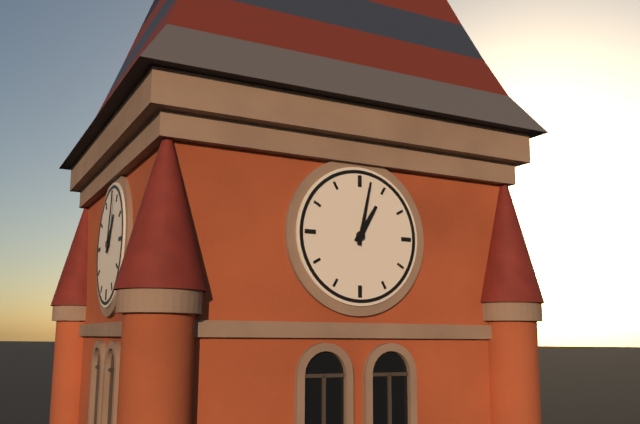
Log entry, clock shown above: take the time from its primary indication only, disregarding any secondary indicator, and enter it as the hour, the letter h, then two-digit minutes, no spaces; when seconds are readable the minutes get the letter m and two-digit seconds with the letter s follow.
1h02
